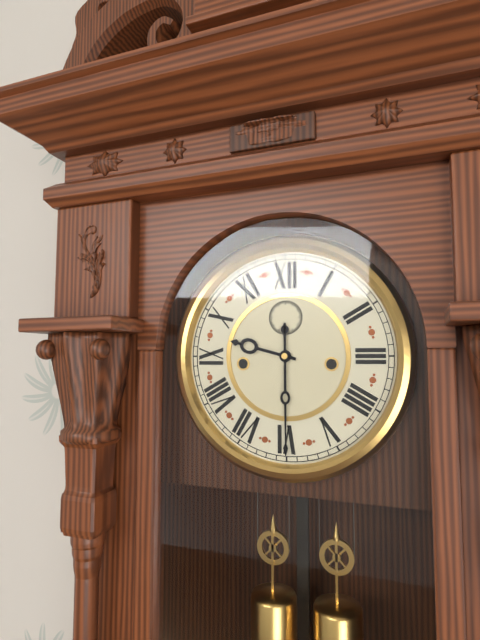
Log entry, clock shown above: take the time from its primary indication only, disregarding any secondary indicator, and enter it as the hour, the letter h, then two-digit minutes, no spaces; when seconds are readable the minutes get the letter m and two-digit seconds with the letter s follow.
9h30
